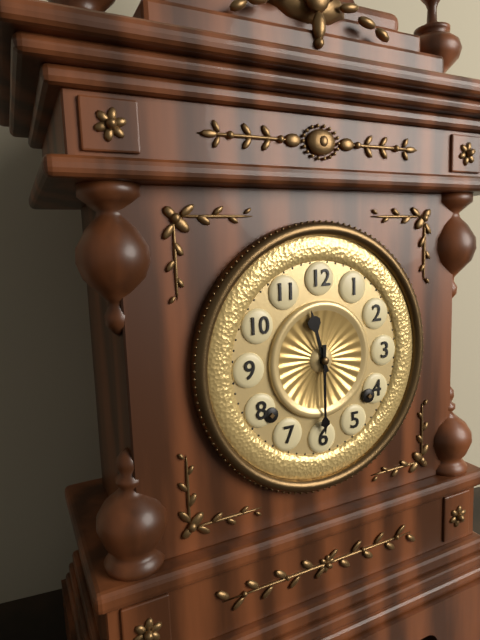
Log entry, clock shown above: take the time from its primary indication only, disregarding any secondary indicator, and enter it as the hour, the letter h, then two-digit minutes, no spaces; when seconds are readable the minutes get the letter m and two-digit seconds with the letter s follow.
11h30
